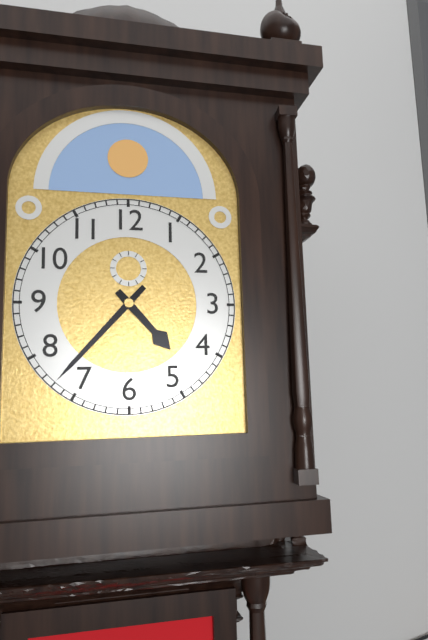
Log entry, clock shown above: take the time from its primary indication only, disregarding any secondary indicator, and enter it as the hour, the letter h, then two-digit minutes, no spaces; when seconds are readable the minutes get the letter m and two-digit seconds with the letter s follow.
4h37
